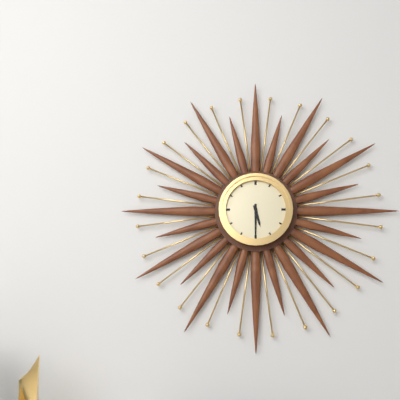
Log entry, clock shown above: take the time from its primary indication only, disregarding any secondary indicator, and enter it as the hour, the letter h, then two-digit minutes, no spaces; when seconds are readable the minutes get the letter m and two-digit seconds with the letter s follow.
5h30
